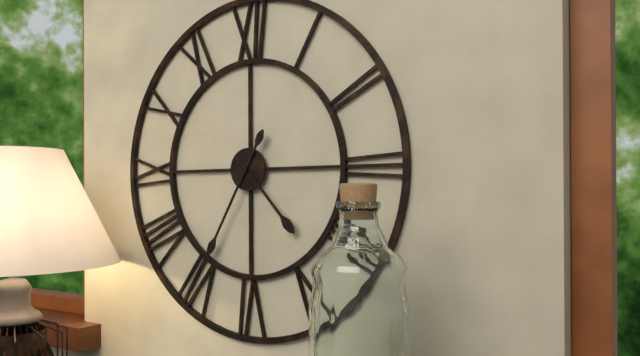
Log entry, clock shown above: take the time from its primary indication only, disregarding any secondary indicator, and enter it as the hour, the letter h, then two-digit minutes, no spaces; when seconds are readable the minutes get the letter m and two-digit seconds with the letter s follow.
4h35
